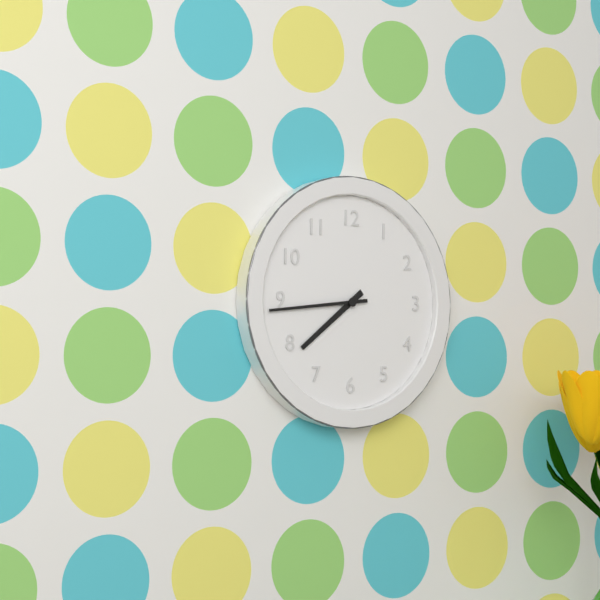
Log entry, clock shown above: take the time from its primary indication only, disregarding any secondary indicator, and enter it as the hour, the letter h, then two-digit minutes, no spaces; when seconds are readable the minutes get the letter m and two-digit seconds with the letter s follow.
7h44
